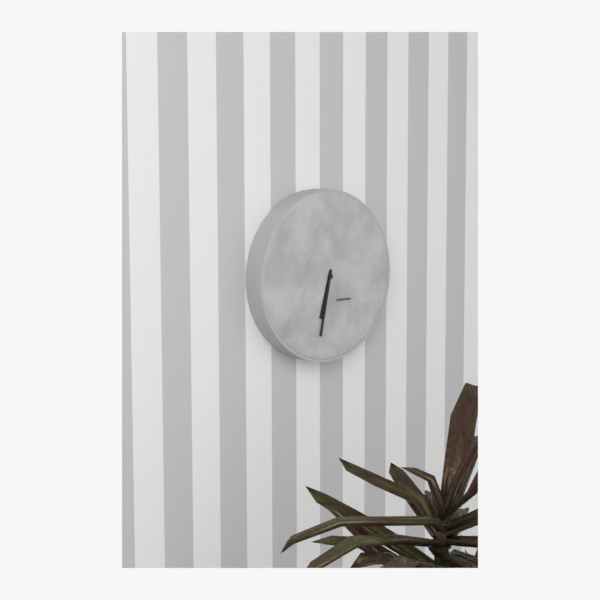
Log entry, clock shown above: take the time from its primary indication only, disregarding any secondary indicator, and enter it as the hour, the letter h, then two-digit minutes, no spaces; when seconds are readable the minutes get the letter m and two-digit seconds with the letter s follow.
6h32
